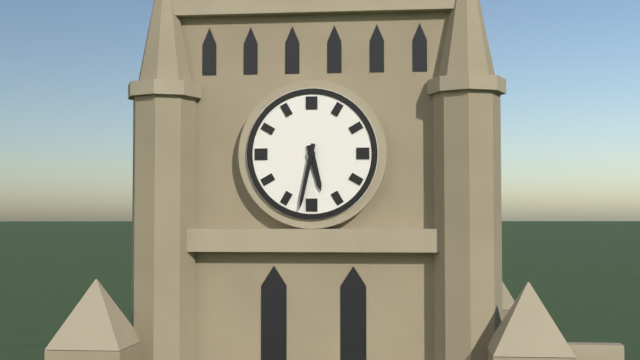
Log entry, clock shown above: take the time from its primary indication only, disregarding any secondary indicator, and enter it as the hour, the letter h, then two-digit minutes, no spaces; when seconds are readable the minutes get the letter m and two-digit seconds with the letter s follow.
5h32
